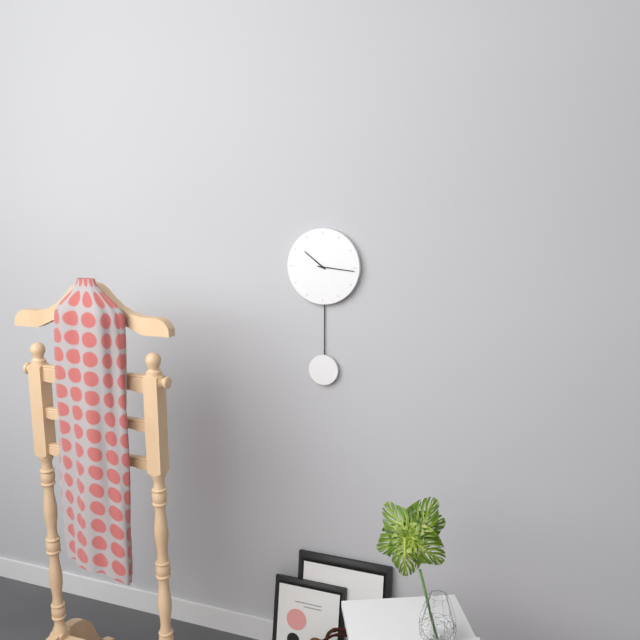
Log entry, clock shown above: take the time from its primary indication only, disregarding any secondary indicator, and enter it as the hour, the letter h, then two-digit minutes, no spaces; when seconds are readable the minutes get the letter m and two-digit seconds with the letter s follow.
10h16
